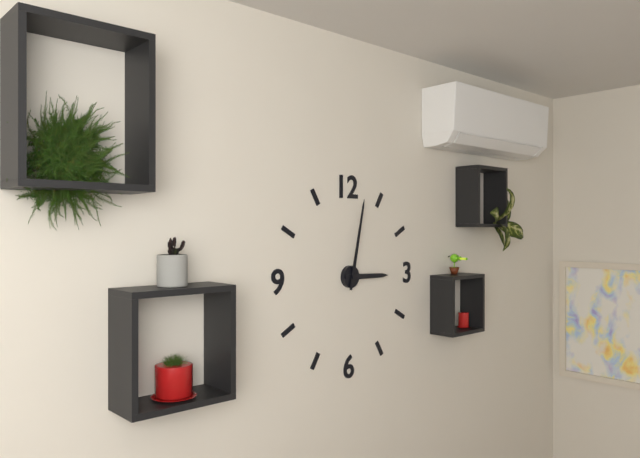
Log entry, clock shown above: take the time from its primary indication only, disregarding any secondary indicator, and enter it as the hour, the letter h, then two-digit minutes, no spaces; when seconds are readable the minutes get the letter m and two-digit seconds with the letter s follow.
3h02
